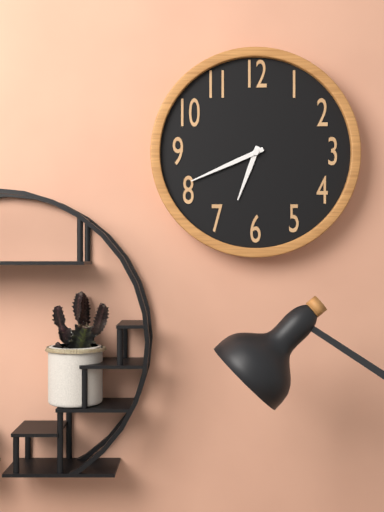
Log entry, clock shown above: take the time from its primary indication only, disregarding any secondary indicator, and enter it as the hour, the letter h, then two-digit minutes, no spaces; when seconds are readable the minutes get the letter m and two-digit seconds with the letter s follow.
6h41
